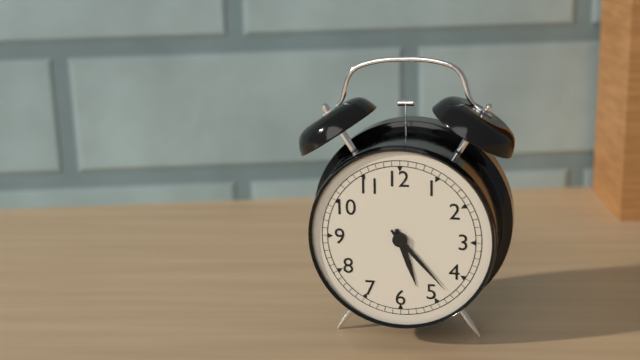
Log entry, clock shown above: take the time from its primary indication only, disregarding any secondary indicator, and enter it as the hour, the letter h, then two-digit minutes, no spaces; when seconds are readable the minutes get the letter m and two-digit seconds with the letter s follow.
5h23
